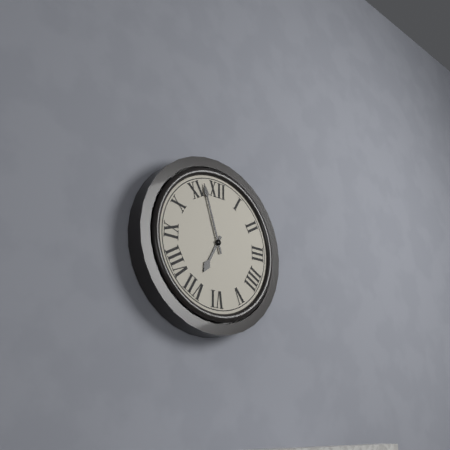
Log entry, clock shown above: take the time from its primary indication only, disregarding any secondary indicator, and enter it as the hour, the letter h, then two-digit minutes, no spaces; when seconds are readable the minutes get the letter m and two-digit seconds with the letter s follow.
6h57
